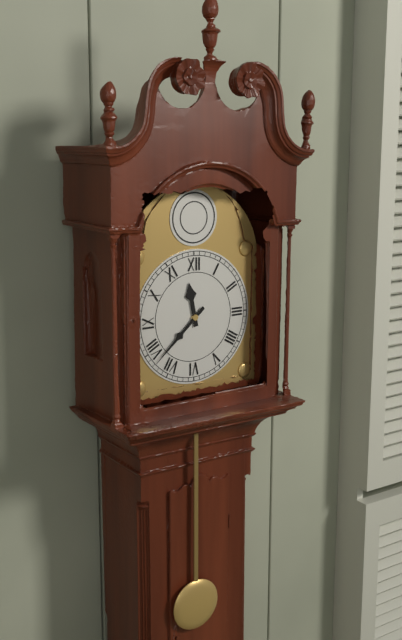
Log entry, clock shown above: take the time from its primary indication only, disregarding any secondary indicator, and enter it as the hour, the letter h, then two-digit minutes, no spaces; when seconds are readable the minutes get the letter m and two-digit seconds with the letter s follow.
11h38
